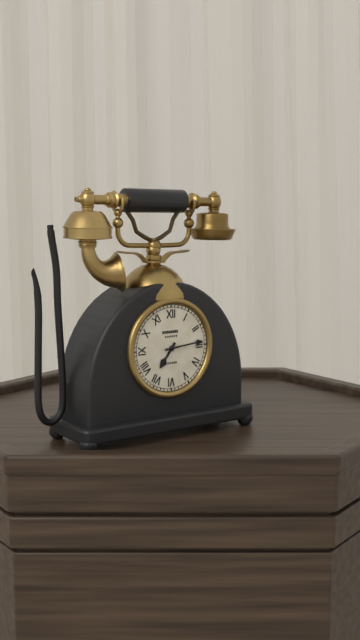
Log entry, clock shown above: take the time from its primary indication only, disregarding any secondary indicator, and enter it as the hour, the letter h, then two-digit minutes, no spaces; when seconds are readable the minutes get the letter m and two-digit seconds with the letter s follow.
7h14
